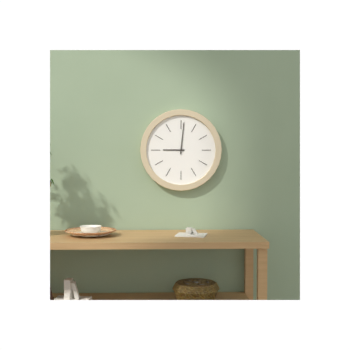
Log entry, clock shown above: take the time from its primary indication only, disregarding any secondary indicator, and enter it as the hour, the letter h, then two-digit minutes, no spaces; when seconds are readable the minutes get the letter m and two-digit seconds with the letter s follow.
9h01
